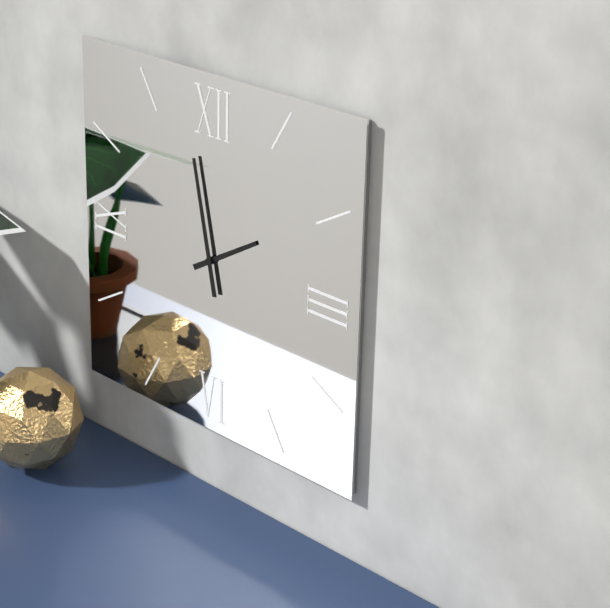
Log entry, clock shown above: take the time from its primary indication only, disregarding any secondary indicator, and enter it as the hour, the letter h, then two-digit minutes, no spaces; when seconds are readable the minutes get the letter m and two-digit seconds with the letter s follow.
1h58
